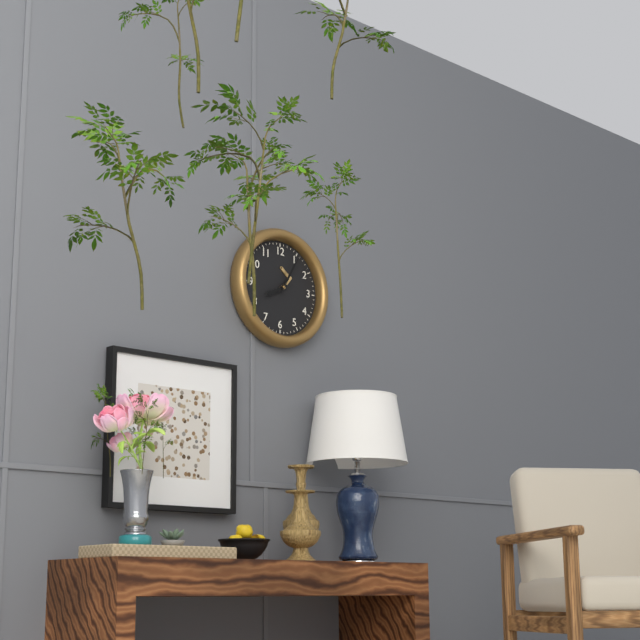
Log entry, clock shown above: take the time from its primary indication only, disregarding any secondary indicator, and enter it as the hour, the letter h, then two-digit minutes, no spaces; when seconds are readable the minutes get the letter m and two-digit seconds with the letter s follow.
8h05
